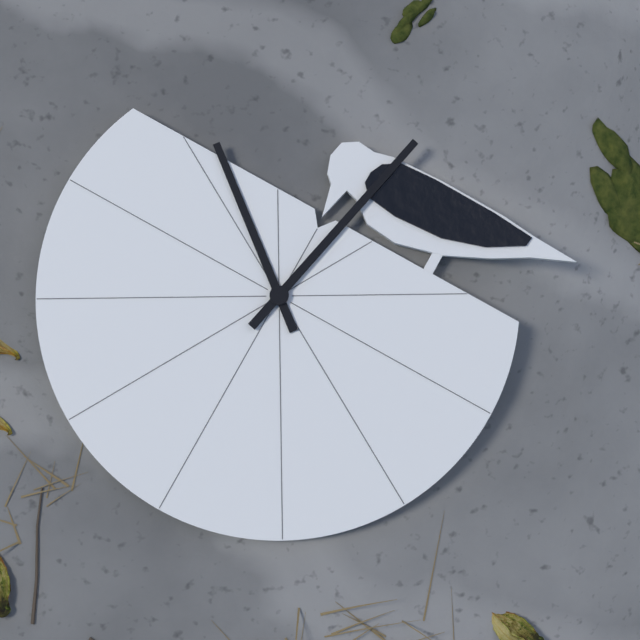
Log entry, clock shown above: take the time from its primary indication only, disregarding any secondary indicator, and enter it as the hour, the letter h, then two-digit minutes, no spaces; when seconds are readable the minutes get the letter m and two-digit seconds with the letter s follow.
1h17
